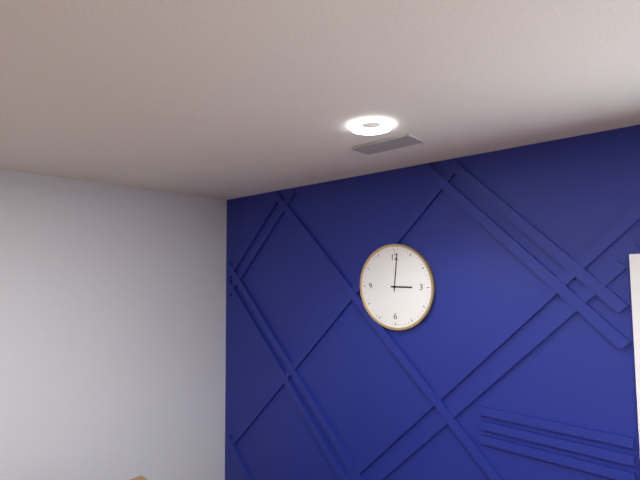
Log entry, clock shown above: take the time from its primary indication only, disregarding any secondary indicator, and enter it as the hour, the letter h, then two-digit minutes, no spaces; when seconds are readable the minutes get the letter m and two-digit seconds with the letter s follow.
3h01
